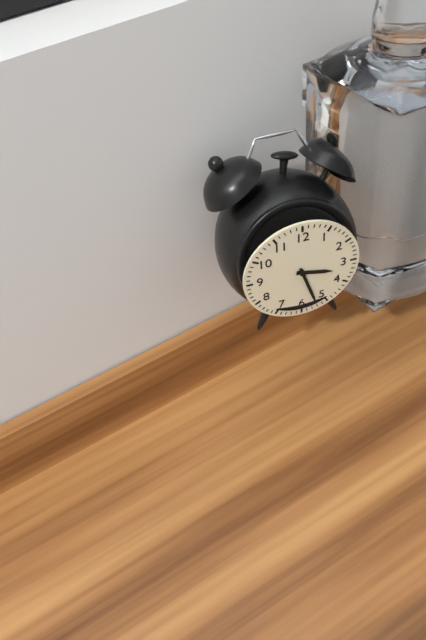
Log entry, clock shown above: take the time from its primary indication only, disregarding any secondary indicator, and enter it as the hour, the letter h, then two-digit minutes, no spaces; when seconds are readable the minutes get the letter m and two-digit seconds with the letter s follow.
3h27
